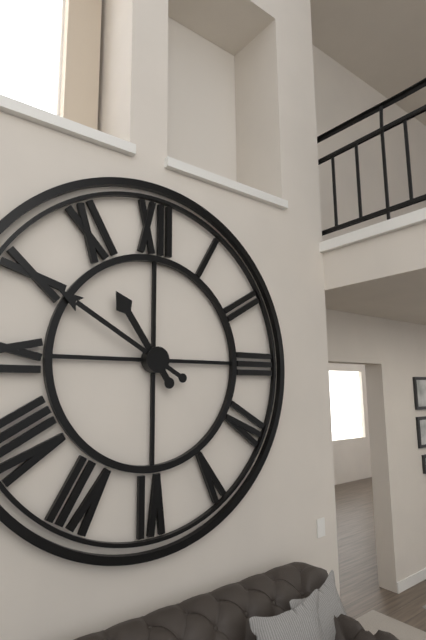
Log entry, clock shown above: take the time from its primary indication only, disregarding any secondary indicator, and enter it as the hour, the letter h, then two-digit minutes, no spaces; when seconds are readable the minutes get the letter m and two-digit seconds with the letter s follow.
10h50
